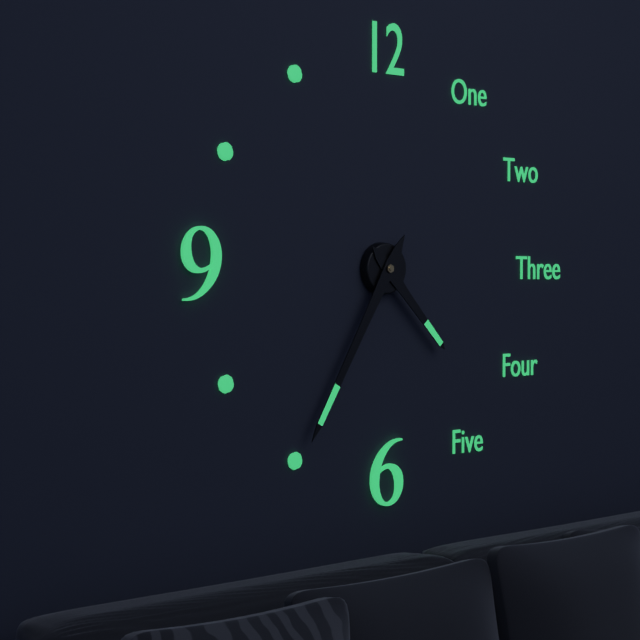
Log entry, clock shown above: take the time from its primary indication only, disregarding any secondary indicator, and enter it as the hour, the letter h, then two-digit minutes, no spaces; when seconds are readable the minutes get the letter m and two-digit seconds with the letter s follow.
4h35
